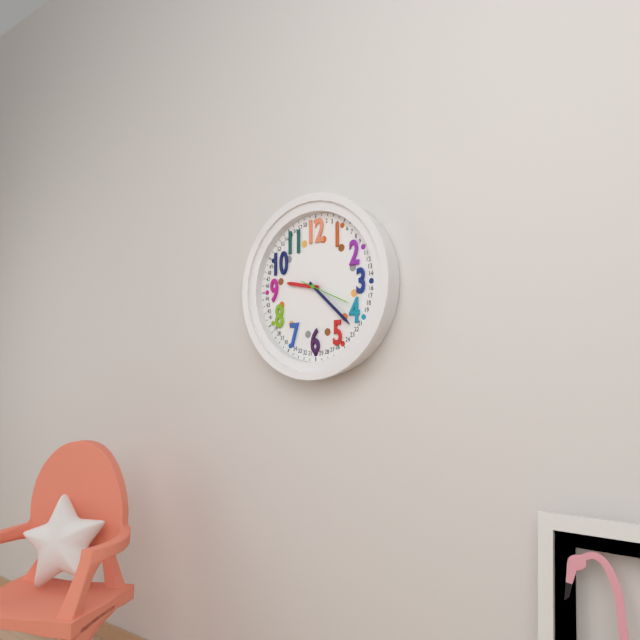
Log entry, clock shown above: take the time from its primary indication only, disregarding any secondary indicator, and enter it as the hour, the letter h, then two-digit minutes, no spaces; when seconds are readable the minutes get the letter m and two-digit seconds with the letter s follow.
9h22
